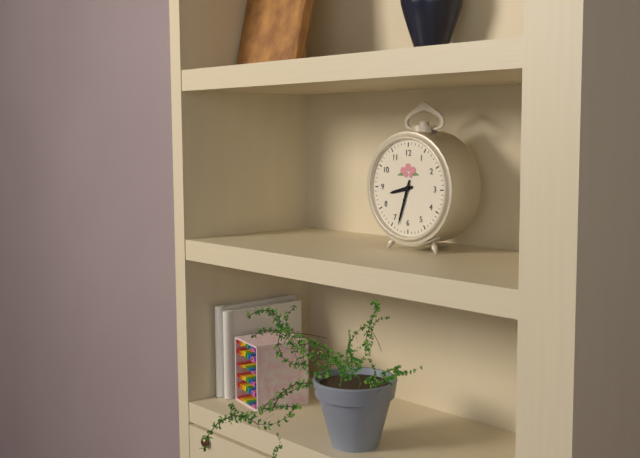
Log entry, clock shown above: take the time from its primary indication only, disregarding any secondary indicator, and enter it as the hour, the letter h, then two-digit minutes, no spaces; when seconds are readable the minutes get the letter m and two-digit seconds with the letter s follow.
8h33
